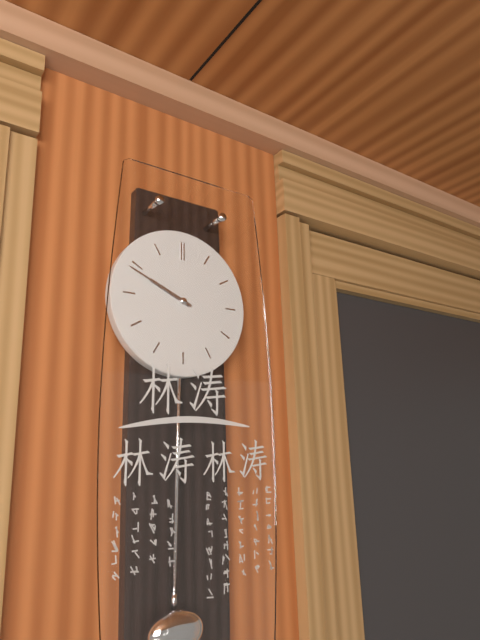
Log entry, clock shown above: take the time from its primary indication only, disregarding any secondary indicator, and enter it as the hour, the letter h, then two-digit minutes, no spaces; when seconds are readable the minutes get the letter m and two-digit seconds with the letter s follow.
9h49
